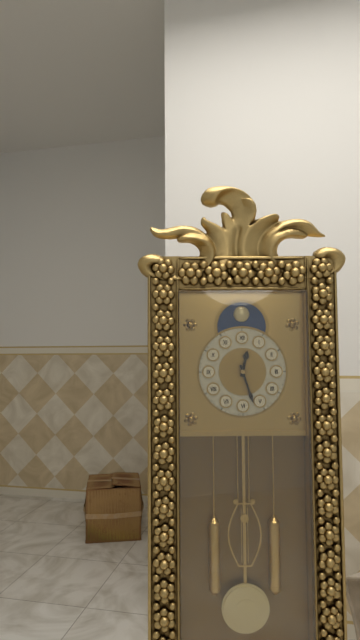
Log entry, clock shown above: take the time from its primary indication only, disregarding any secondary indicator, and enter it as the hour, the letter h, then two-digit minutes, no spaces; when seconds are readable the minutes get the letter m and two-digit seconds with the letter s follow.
12h27
